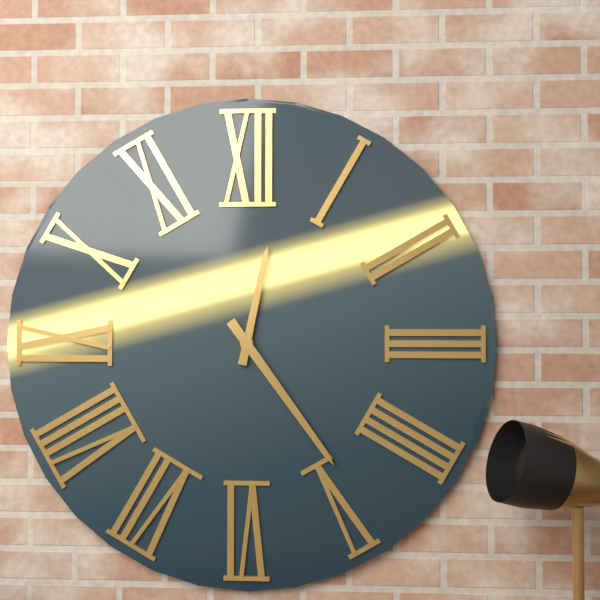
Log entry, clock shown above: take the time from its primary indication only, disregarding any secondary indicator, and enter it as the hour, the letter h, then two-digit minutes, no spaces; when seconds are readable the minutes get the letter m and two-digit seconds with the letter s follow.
12h24
